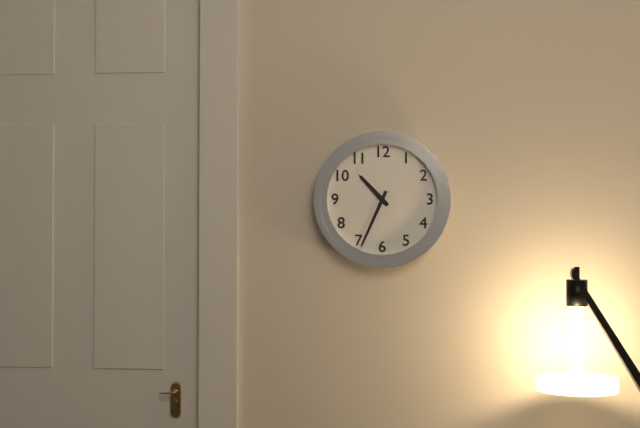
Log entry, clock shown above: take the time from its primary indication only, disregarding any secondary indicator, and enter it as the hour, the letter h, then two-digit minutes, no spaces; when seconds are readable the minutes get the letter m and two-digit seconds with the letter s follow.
10h34
